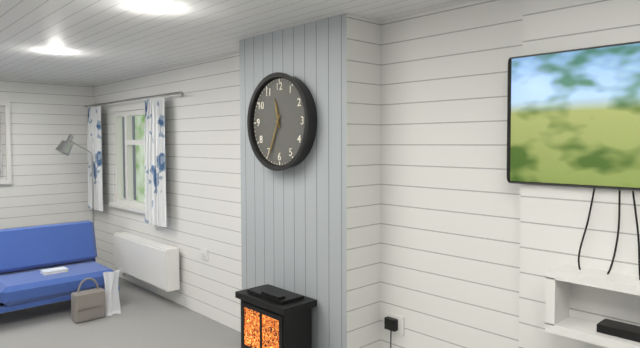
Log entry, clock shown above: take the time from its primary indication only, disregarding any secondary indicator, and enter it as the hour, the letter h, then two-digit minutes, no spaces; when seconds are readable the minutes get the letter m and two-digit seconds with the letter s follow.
11h34
